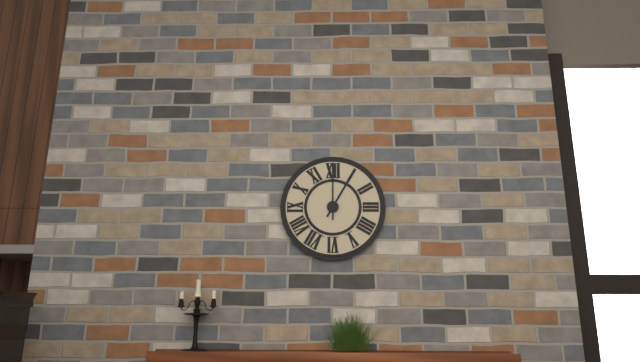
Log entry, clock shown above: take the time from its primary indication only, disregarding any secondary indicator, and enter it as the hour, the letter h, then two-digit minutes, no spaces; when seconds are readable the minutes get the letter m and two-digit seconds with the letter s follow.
1h00
